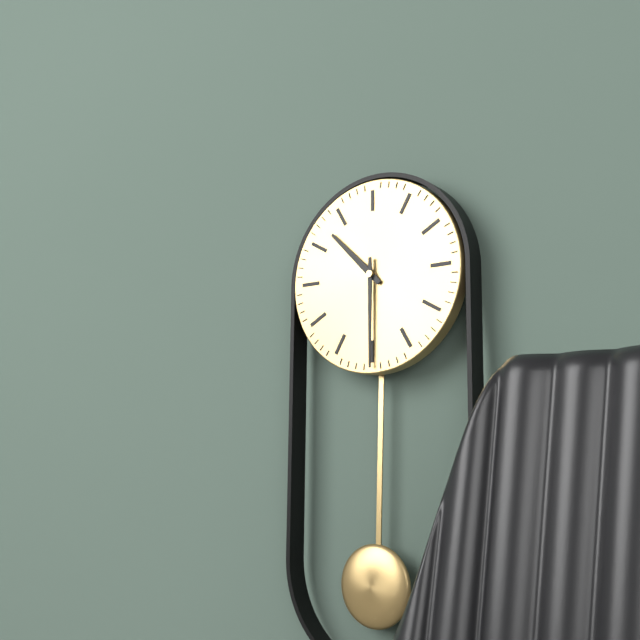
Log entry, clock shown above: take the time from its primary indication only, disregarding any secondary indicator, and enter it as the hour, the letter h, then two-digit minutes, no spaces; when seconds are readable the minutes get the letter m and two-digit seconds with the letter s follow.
10h30
